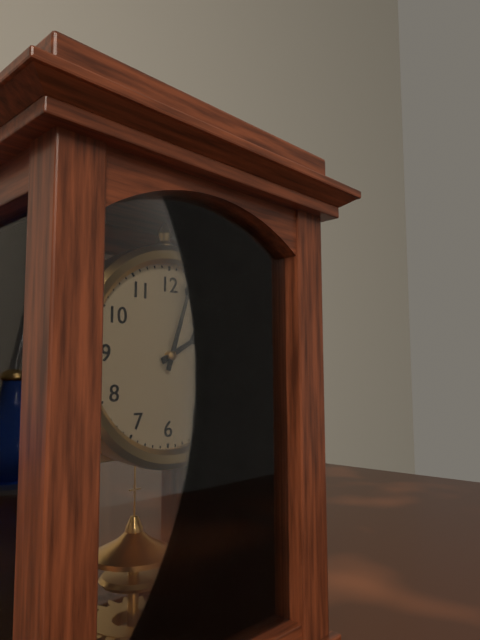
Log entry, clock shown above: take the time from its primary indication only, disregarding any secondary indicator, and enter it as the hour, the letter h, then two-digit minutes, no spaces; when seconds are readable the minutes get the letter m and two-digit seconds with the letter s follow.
2h03
